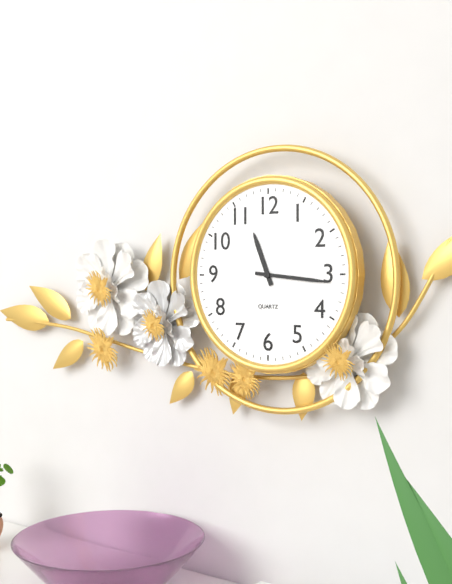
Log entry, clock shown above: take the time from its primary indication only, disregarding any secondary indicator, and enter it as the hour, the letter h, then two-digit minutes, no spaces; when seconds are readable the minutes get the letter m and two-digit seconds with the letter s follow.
11h16
